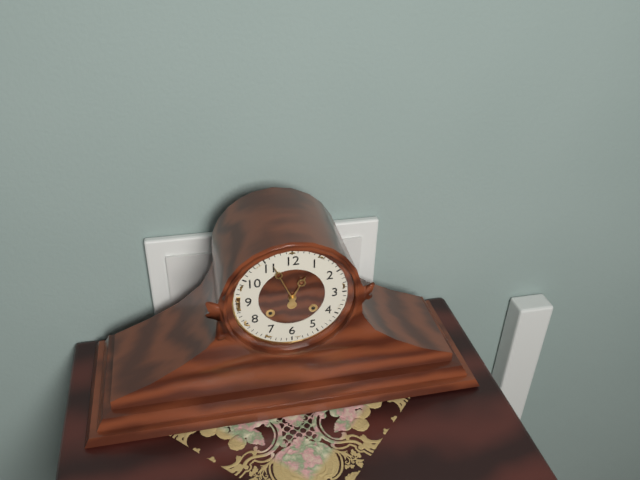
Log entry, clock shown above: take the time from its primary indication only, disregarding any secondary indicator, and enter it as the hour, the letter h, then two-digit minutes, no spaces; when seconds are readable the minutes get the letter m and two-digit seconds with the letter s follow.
12h56
